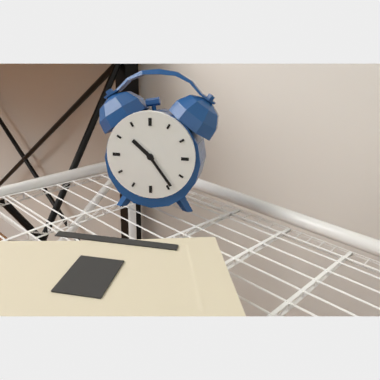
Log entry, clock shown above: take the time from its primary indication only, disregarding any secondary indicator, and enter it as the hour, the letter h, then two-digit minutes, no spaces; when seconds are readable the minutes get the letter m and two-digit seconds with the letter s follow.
10h24
